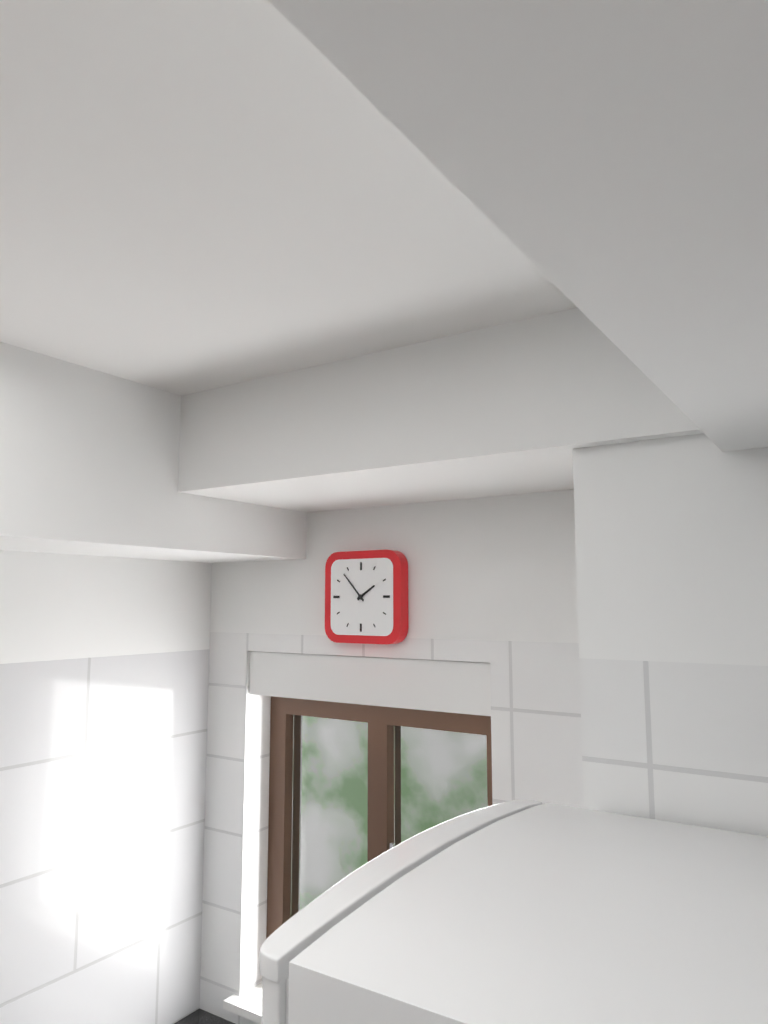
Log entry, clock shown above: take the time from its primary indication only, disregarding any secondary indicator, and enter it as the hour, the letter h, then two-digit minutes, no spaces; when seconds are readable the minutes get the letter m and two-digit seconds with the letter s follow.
1h53
